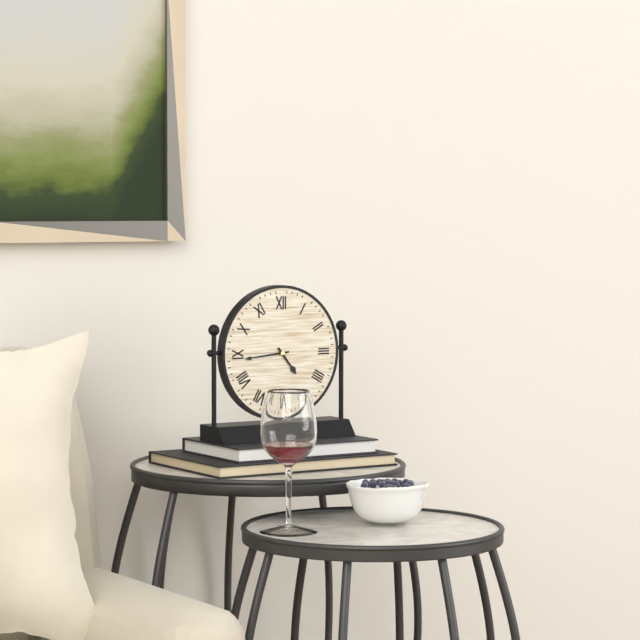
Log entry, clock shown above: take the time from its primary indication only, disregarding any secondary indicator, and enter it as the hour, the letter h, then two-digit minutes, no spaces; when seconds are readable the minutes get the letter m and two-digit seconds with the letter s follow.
4h44
